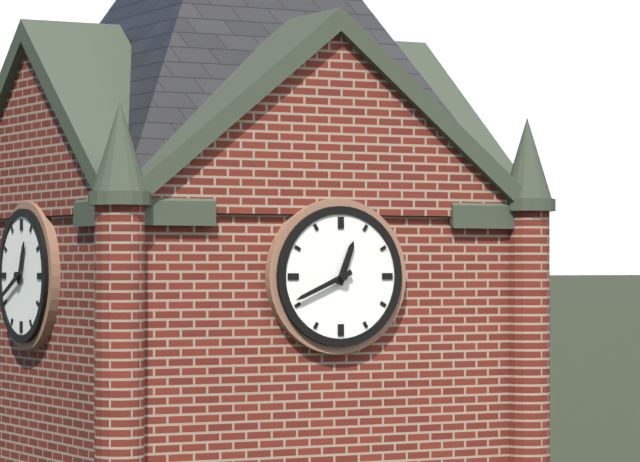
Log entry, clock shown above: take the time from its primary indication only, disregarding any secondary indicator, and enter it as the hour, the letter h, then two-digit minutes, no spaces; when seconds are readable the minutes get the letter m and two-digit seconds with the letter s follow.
12h41
